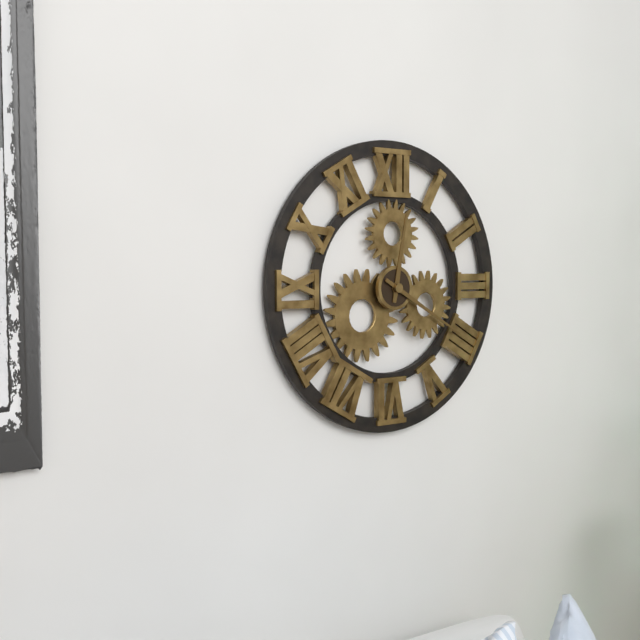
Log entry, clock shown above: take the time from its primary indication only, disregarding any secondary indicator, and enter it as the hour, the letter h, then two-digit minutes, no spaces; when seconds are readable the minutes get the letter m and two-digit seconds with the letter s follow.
12h20
